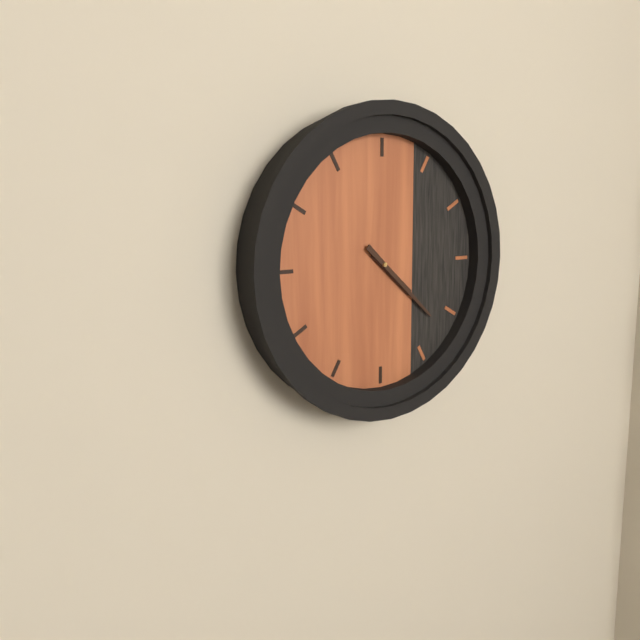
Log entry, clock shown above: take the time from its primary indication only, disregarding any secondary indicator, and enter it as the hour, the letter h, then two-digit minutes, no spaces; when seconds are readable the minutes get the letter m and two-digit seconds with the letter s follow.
4h22
